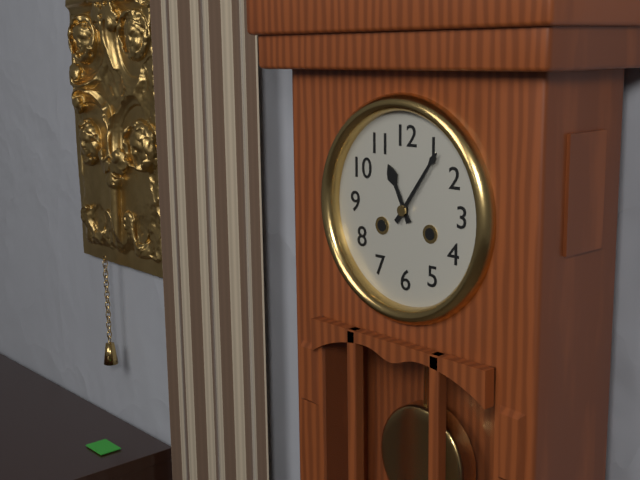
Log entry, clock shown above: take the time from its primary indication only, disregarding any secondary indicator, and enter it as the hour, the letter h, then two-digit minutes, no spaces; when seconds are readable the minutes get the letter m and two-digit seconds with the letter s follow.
11h06
